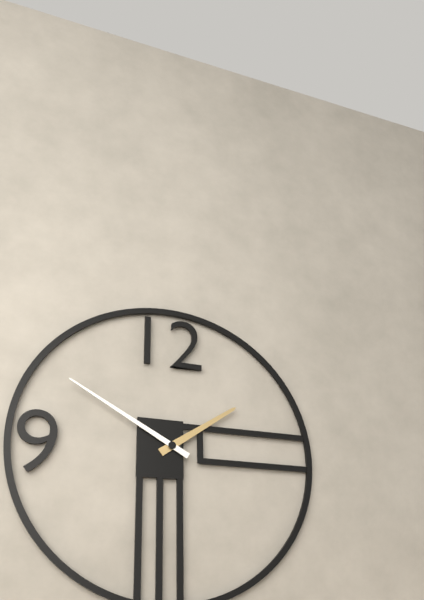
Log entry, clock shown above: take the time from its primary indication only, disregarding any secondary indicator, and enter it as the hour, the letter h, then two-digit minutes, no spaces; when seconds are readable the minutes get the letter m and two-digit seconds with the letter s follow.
1h50
